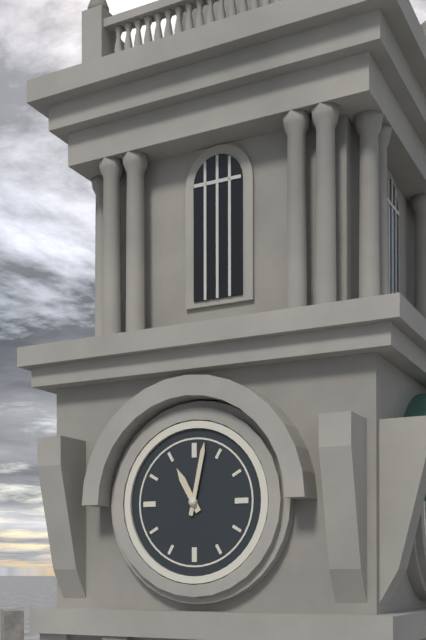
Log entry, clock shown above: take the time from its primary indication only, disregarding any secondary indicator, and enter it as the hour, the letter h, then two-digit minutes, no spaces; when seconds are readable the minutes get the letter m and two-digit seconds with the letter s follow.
11h02
